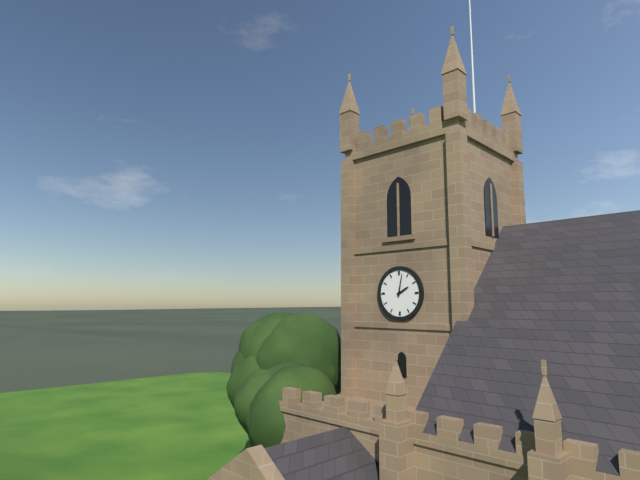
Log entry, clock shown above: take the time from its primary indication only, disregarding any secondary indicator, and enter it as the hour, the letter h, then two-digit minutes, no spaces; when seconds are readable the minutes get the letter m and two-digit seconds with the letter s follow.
2h02
